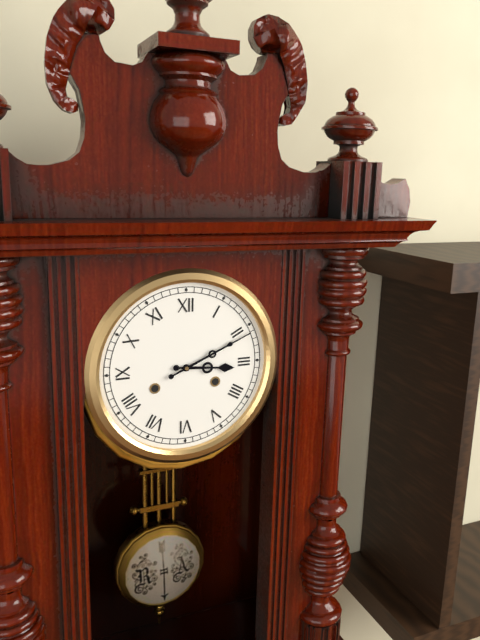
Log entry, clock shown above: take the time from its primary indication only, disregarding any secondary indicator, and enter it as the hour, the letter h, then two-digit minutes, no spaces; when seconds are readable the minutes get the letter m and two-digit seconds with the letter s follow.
3h11
